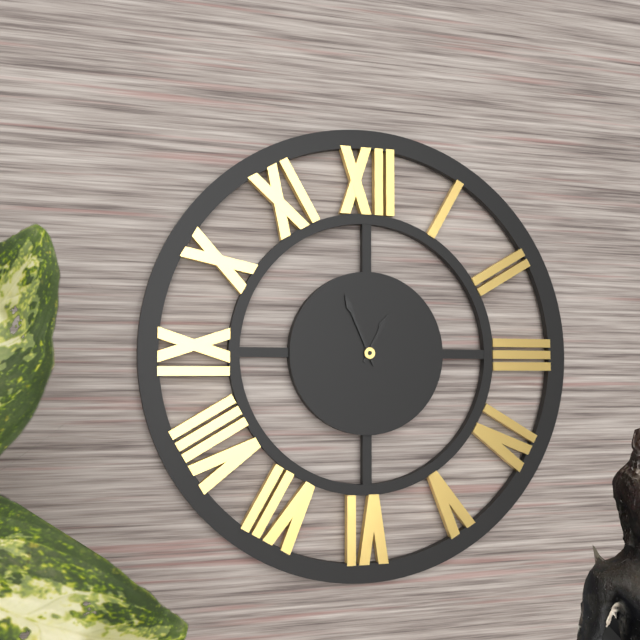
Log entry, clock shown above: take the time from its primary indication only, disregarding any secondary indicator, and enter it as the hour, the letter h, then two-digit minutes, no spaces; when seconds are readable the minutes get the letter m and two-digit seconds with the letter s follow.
12h56
